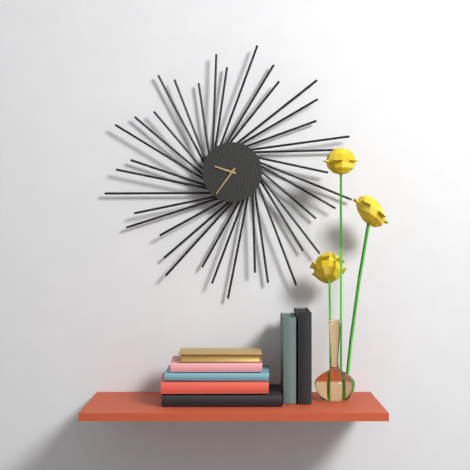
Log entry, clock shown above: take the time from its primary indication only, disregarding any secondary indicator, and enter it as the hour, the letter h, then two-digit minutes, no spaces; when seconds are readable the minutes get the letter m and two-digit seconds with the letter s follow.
9h36
